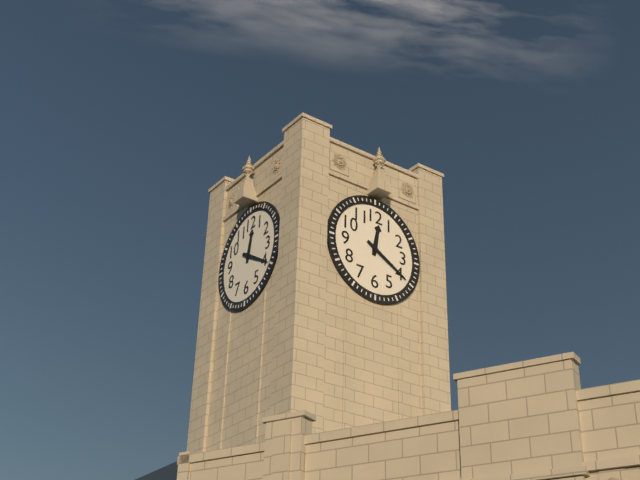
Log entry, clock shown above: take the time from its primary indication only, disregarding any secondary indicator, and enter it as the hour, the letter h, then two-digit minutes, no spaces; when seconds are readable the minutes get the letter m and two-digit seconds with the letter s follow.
12h20
